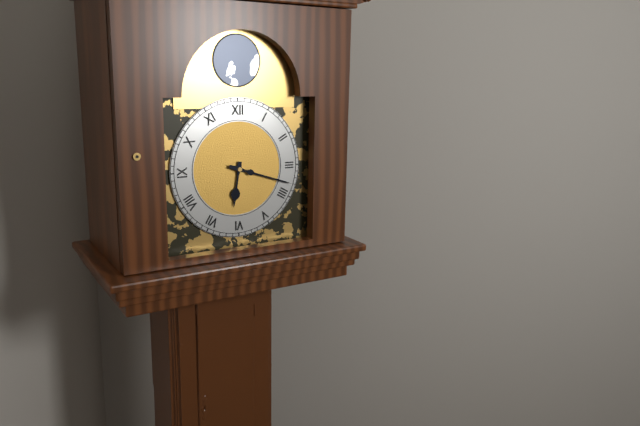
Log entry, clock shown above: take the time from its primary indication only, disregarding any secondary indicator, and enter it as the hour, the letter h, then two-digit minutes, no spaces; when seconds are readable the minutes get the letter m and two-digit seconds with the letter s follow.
6h18
